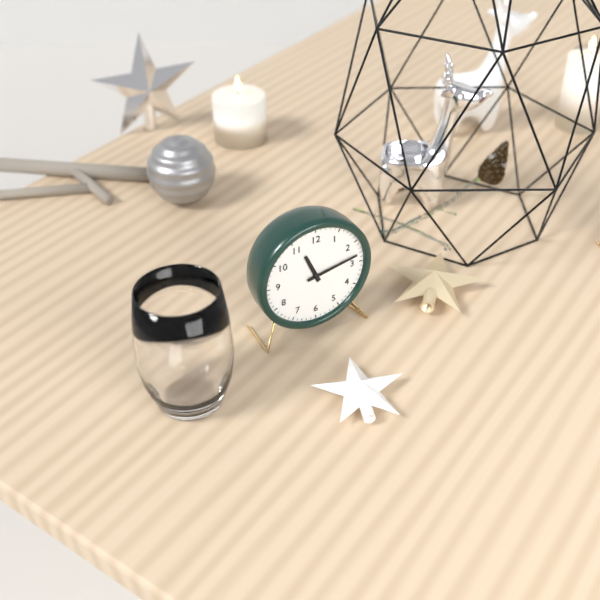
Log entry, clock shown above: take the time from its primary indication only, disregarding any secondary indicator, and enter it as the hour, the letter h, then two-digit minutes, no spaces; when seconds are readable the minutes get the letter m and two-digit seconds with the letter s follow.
11h13
